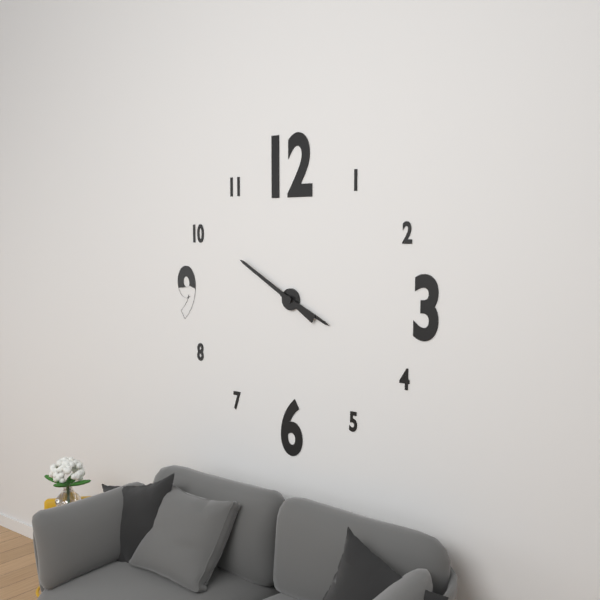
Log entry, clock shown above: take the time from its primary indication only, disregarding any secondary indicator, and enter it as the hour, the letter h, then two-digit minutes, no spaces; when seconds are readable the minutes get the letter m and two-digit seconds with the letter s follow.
3h50
